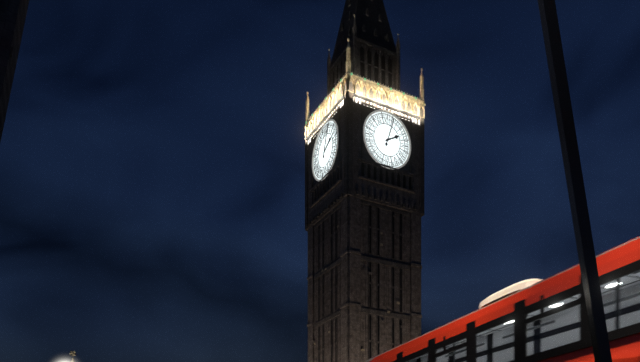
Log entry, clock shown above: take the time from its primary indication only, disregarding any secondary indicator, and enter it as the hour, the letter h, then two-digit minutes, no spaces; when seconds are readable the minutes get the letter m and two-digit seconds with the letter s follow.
2h03
